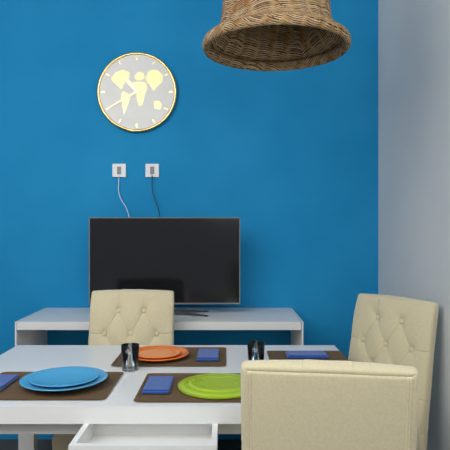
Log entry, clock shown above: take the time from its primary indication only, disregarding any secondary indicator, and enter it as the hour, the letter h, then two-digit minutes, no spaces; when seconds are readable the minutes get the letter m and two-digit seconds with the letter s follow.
10h40
